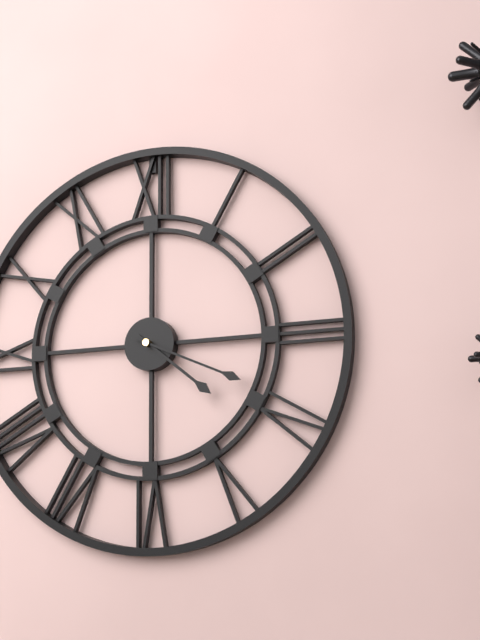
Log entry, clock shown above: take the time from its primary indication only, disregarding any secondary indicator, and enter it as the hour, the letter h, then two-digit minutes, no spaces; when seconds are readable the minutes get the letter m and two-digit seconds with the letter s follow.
4h19
